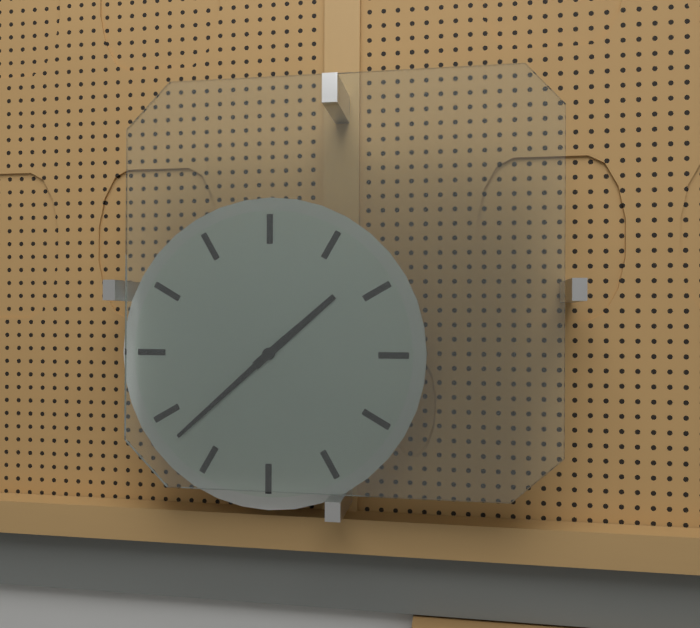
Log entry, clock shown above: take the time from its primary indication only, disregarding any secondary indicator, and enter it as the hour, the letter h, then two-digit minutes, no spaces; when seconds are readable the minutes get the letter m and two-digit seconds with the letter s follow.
1h38
